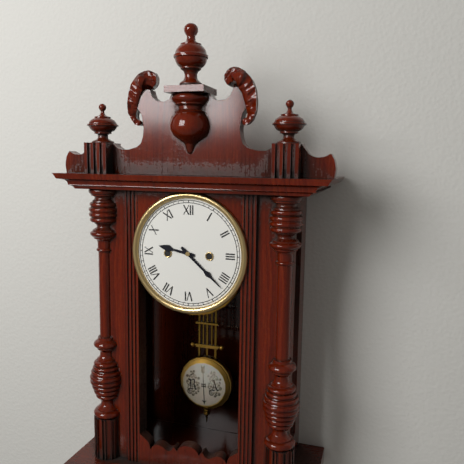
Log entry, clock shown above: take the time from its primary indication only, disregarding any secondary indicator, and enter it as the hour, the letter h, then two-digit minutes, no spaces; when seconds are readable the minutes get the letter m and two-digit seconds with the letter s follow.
9h22
